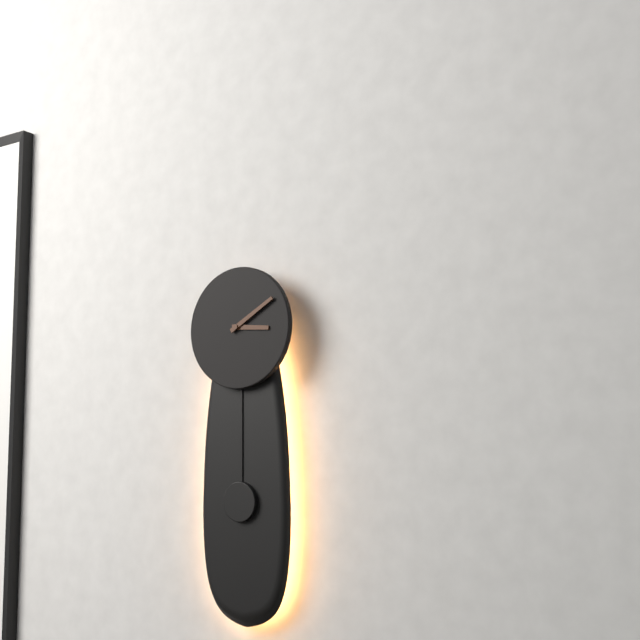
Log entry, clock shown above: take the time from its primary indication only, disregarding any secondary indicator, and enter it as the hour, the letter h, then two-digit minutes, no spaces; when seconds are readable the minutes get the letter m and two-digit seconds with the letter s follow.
3h10
